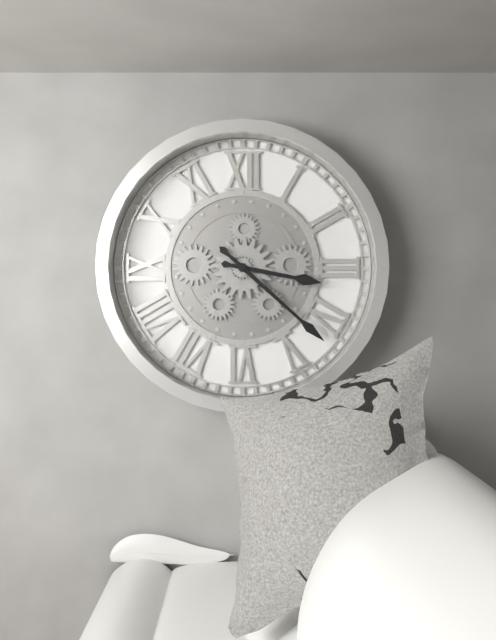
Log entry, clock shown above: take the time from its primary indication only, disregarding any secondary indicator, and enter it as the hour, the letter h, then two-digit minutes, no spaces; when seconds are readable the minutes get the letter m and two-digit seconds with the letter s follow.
3h22
